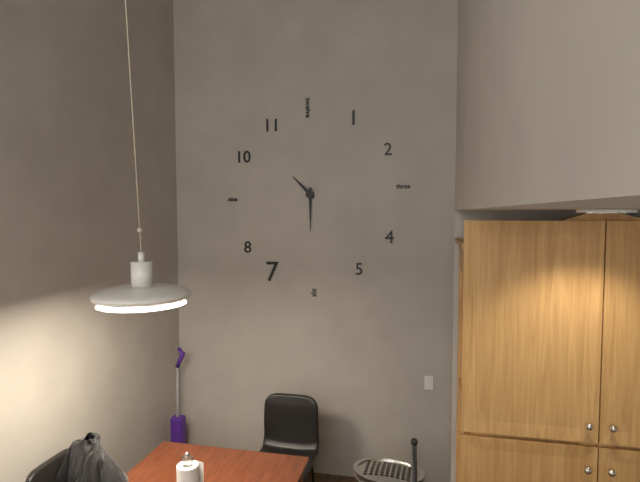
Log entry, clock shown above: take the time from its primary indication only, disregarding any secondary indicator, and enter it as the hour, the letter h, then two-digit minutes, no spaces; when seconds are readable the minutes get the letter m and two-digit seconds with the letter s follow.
10h30
